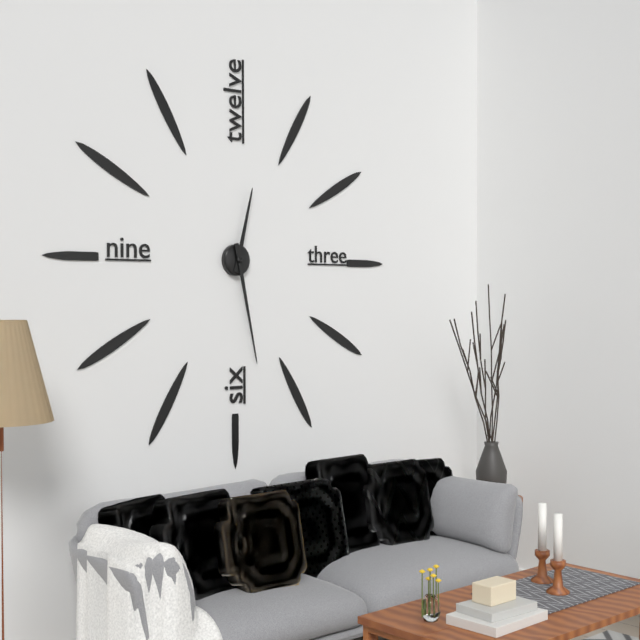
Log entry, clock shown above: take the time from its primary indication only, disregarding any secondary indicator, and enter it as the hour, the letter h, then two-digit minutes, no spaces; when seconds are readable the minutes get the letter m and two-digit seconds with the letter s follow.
12h28
